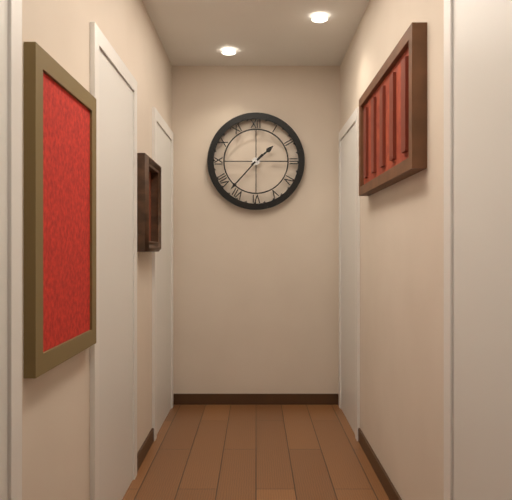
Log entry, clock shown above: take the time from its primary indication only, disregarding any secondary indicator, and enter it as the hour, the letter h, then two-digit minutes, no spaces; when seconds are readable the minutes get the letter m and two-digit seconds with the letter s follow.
1h37
